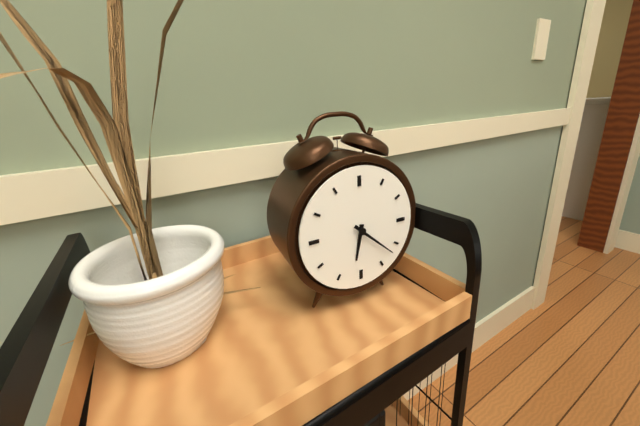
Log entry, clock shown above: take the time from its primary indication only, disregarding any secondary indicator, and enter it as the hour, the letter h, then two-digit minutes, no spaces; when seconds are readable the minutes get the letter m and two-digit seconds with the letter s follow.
6h22
